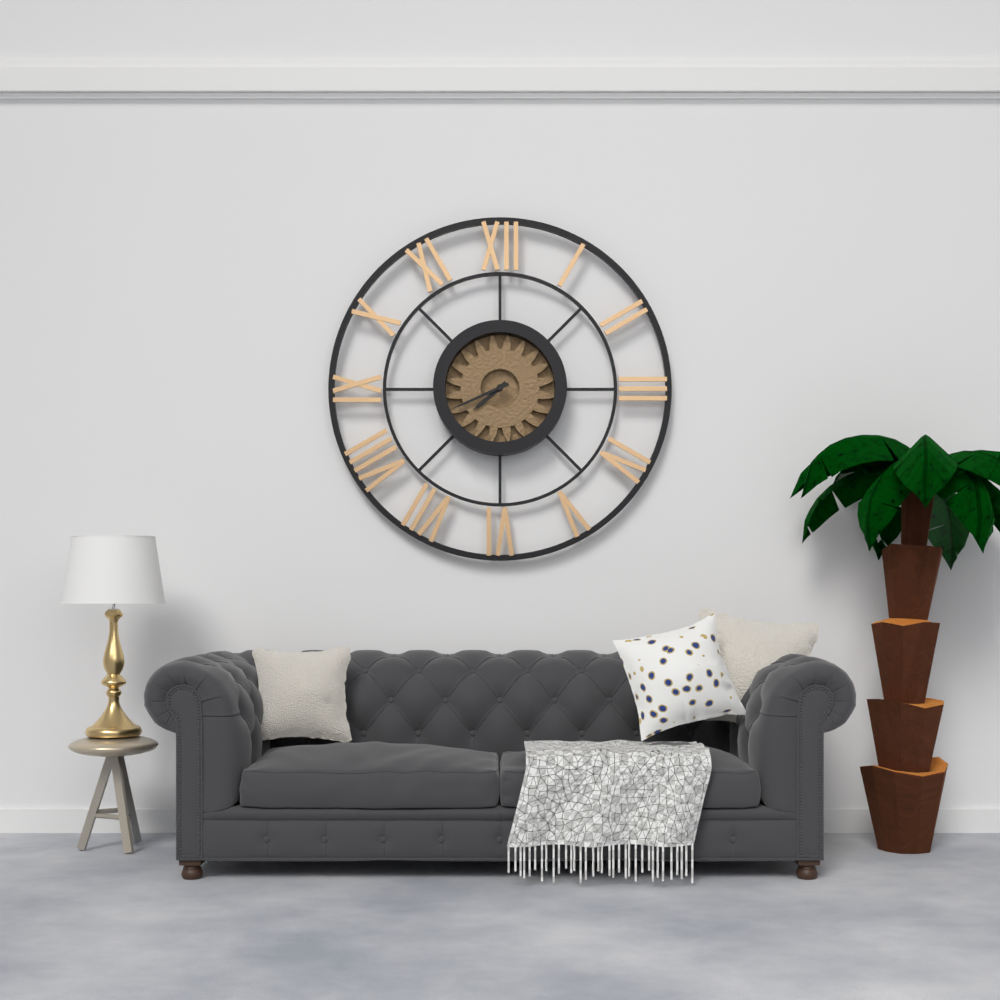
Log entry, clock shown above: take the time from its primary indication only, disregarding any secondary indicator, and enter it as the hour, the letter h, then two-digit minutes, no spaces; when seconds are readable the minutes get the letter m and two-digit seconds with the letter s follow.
7h41
